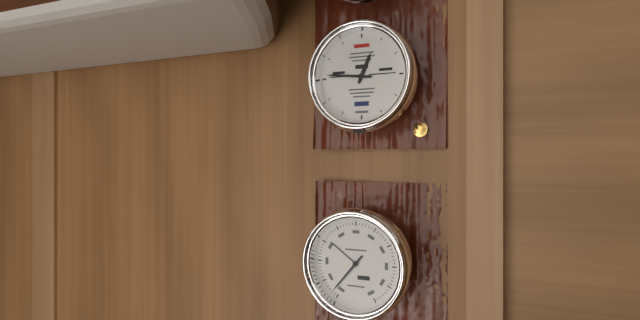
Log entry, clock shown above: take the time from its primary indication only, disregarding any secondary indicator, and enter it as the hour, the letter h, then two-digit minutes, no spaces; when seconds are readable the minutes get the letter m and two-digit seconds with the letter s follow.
12h46
